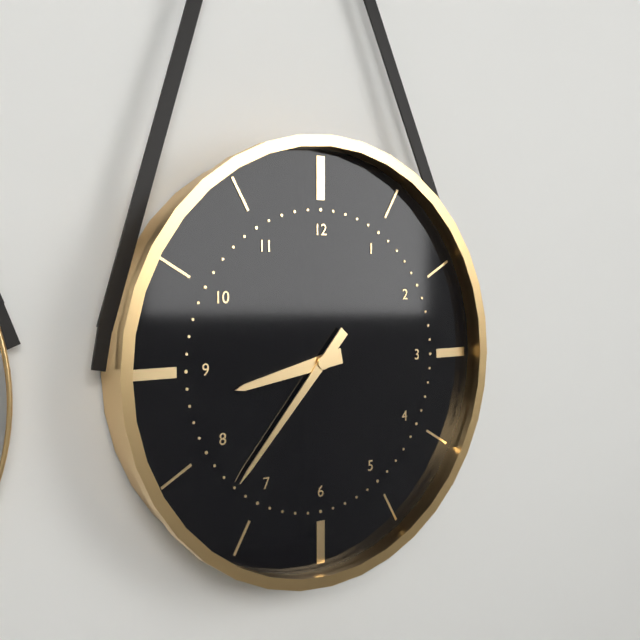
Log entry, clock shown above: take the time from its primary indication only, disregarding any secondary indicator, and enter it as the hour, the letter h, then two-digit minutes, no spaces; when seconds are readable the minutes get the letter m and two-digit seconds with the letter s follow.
8h37
